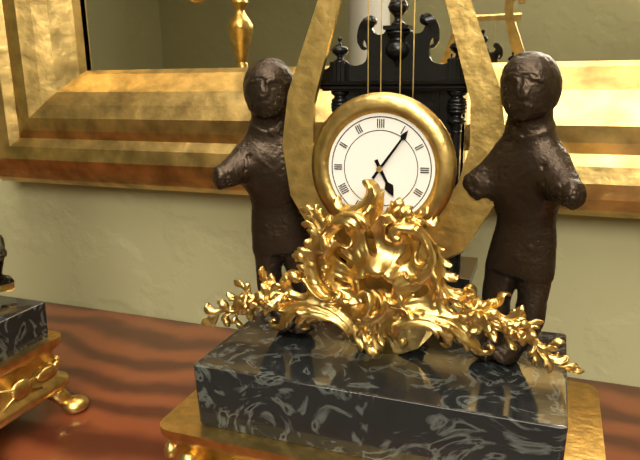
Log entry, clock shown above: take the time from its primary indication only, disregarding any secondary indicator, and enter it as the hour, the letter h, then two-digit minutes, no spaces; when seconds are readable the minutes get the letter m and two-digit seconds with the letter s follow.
5h06
